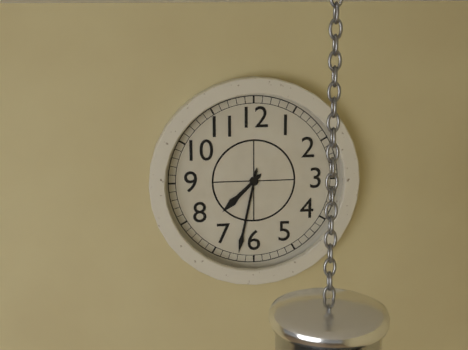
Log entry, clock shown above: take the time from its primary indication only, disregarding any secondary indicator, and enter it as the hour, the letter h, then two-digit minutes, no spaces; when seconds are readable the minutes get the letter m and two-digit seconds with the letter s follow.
7h32
